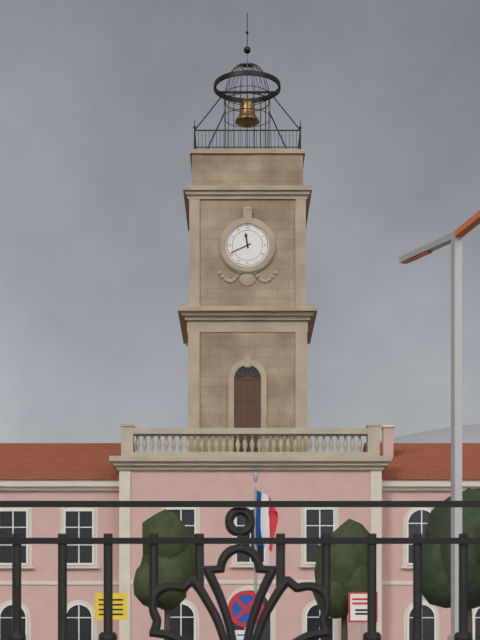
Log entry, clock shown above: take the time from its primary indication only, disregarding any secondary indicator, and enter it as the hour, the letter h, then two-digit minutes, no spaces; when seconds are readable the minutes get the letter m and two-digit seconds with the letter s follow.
11h41
